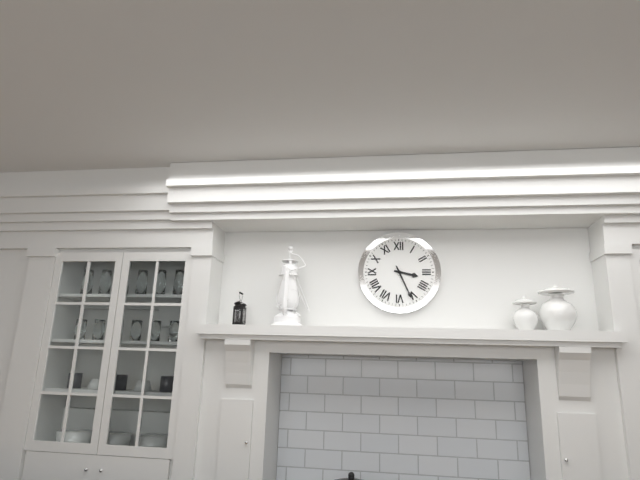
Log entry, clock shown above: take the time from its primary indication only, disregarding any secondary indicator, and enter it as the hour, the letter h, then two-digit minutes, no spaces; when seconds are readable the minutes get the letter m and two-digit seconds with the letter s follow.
3h26
